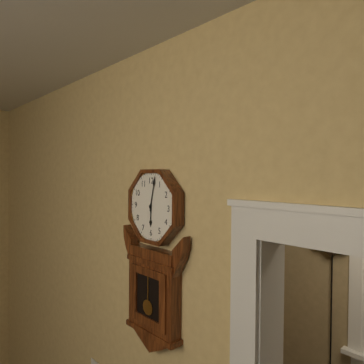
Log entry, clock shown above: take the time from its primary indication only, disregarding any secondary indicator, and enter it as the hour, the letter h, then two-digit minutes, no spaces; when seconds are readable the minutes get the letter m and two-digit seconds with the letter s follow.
6h02
